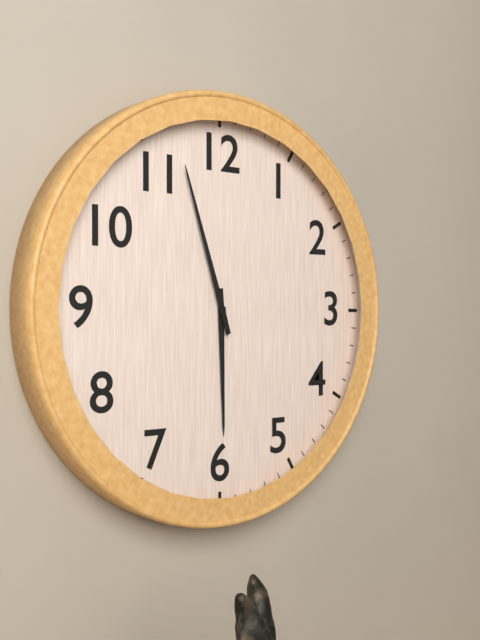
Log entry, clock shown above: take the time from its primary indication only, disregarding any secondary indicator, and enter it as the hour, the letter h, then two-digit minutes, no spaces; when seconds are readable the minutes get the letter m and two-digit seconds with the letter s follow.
5h57
